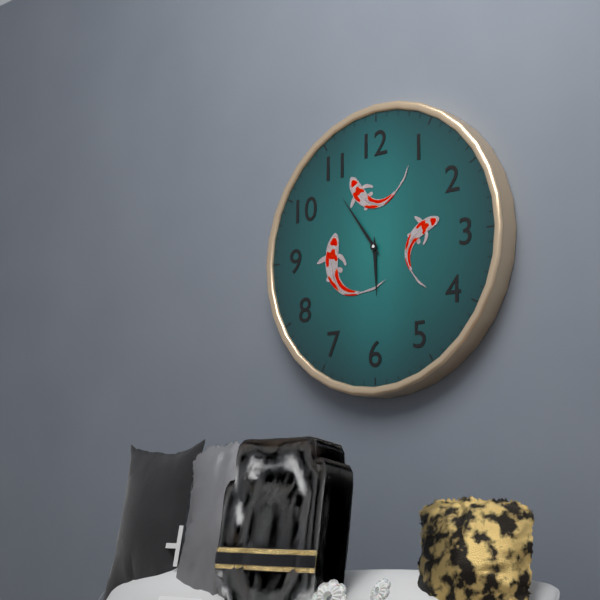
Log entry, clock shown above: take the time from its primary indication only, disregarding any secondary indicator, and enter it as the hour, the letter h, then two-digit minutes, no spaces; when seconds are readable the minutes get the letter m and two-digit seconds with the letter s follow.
5h54
